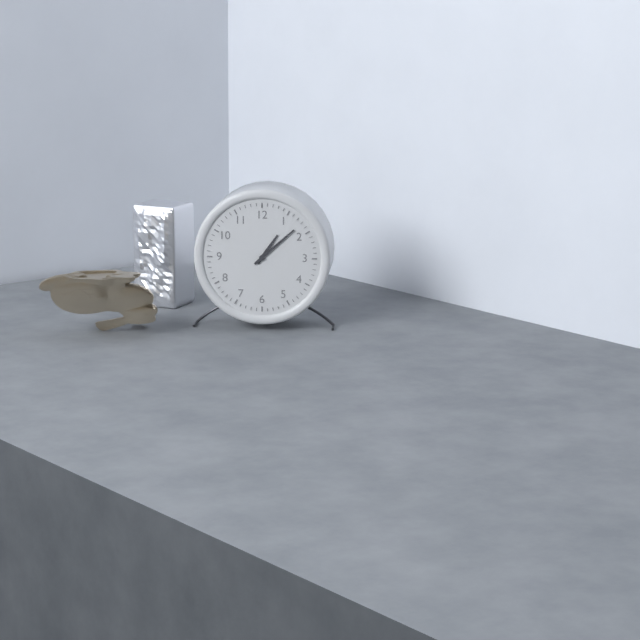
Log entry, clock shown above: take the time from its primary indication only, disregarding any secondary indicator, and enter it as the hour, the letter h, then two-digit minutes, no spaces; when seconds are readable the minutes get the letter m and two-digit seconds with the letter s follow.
1h08
